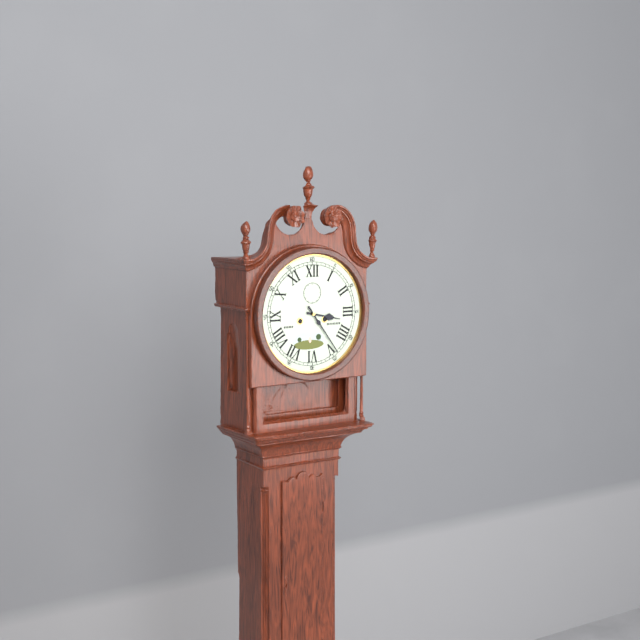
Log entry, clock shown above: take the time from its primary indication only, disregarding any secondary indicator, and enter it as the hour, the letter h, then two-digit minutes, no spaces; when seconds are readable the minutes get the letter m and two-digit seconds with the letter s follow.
3h24
